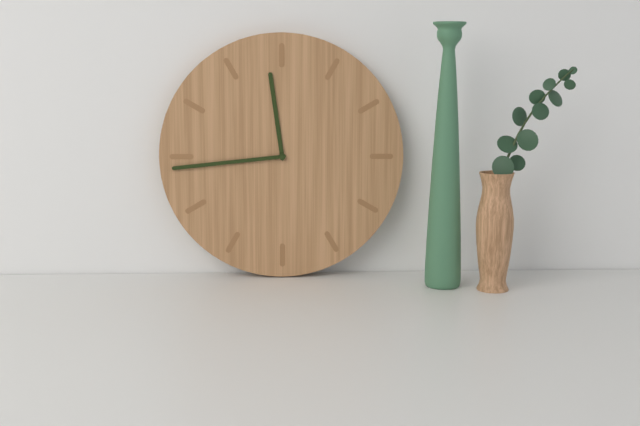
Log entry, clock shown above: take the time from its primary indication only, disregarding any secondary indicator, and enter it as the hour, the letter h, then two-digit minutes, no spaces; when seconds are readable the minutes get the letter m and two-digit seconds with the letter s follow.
11h44
